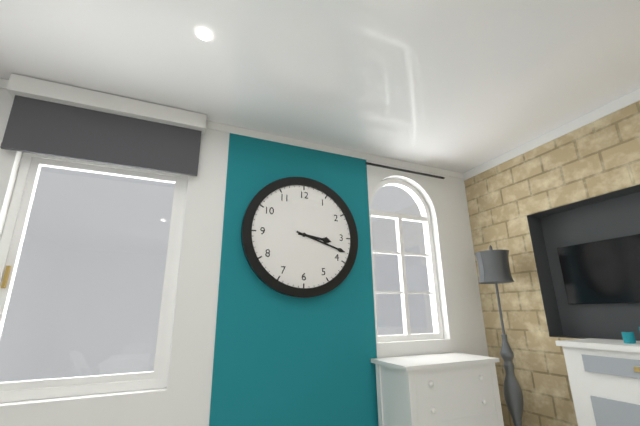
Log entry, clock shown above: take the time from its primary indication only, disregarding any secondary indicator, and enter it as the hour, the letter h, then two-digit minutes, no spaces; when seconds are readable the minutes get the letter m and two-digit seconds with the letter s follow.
3h18
